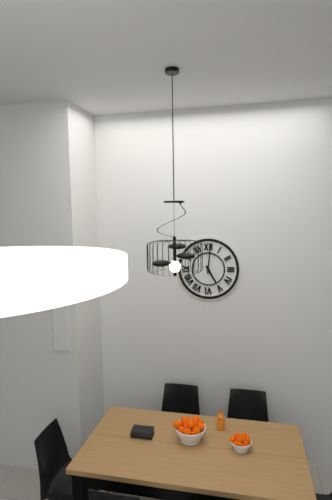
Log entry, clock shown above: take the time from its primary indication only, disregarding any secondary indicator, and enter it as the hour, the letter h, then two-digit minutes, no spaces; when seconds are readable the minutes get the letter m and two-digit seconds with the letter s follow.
5h01
